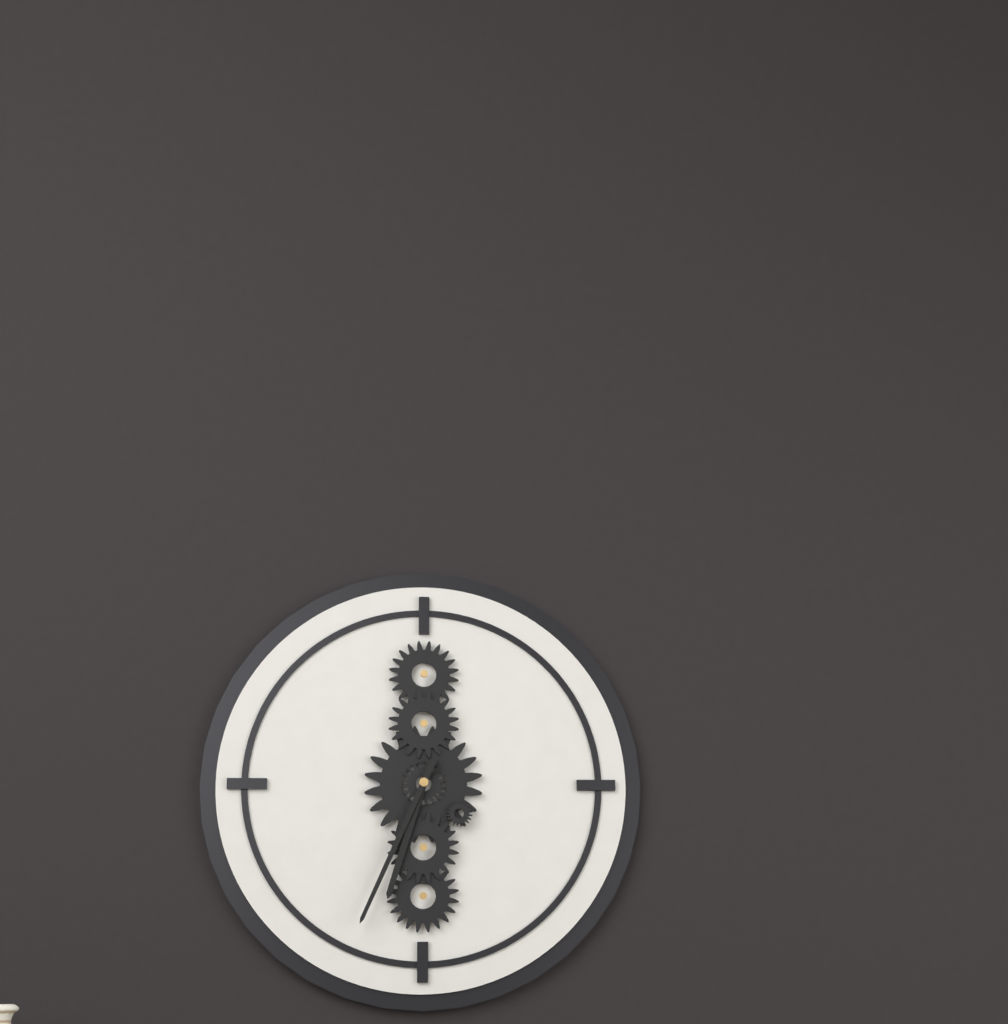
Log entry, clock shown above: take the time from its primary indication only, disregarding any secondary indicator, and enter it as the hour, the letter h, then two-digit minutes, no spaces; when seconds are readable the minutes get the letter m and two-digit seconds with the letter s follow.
6h34
